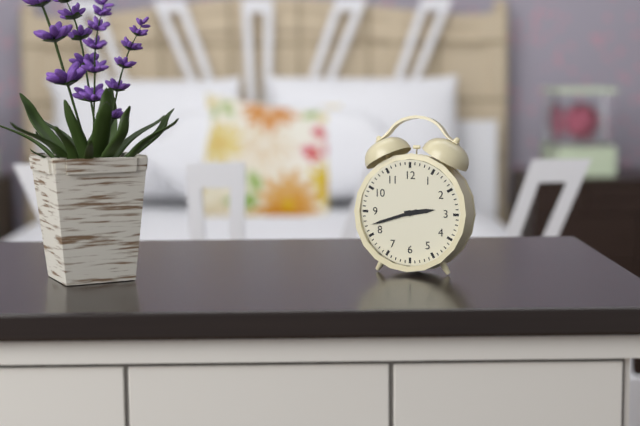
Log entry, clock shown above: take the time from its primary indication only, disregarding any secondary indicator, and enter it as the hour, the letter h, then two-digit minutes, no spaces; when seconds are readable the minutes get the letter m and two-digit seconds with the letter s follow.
2h42
